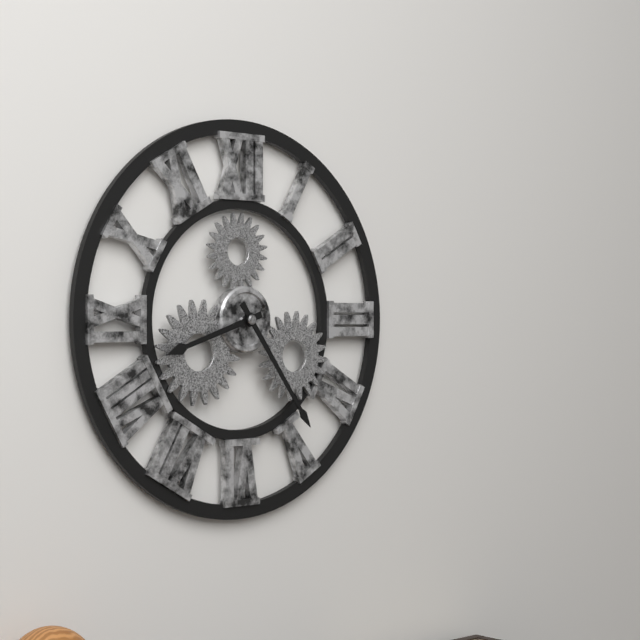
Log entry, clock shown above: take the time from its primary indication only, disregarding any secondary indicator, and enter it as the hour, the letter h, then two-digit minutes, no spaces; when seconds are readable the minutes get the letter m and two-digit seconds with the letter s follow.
8h24
